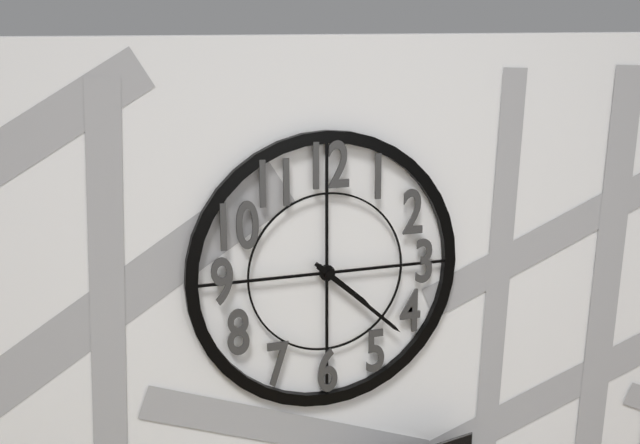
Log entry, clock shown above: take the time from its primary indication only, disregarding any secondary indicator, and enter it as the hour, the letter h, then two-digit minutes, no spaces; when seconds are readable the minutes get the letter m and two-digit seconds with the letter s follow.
4h22
